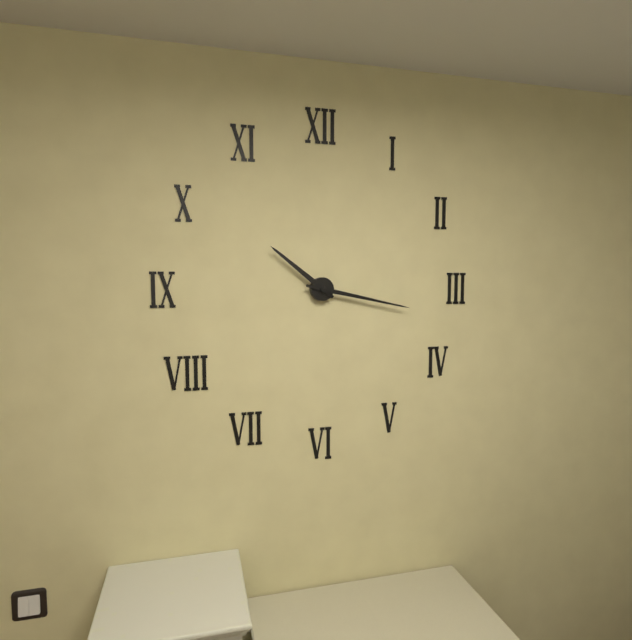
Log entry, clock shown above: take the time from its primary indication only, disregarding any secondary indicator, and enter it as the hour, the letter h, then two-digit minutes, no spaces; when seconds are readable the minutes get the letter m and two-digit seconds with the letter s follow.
10h17
